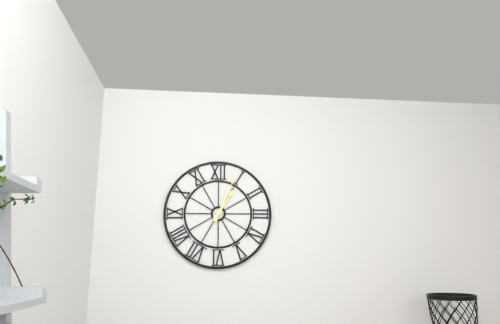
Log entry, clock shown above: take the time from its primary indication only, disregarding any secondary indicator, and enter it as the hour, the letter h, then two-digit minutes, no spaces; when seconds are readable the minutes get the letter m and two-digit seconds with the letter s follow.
1h04
